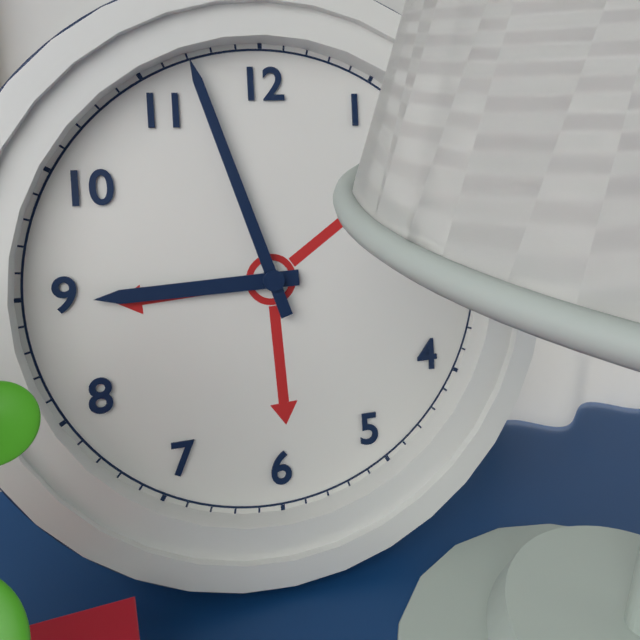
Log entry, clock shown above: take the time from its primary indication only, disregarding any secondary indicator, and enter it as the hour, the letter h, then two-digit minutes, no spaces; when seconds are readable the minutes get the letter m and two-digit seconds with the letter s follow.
8h57
